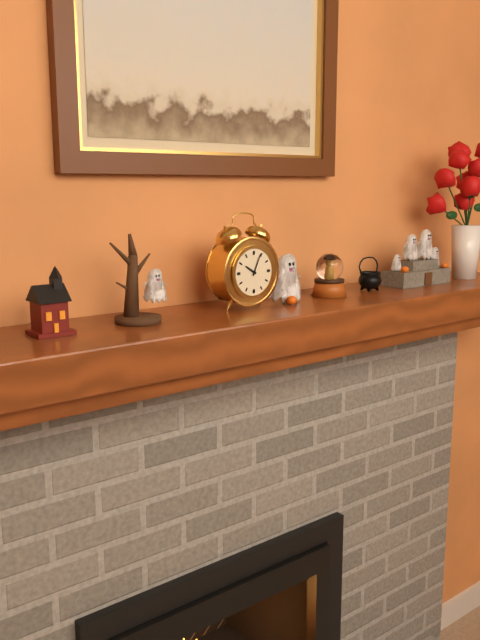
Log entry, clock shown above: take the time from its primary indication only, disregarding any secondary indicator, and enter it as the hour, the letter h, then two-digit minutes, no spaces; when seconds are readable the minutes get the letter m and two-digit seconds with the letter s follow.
10h04
